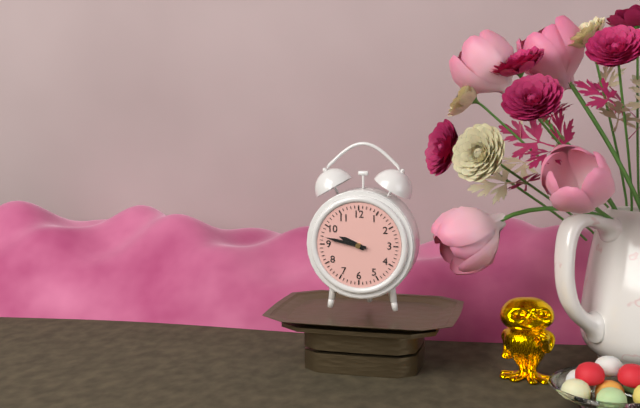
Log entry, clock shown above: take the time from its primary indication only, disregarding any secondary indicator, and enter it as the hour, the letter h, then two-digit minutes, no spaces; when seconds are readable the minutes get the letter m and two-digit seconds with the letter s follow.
9h47
